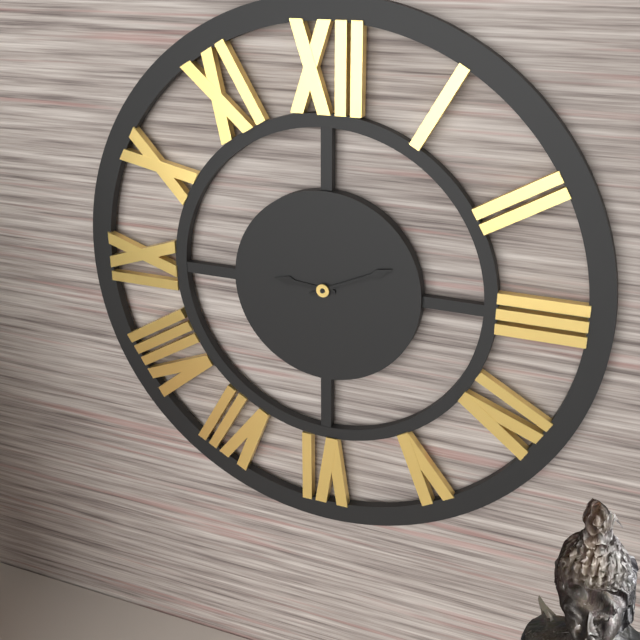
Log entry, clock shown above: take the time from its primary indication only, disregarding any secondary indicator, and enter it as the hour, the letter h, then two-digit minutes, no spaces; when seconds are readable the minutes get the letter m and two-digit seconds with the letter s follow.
9h11
